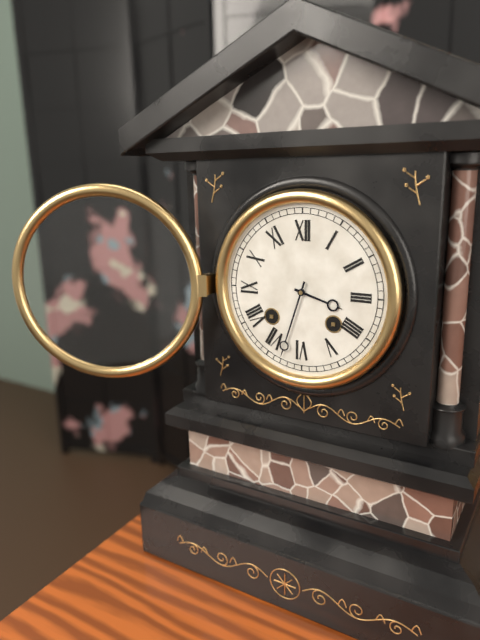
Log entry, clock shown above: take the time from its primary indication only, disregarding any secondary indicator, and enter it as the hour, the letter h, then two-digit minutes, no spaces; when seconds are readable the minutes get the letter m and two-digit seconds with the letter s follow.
3h33
